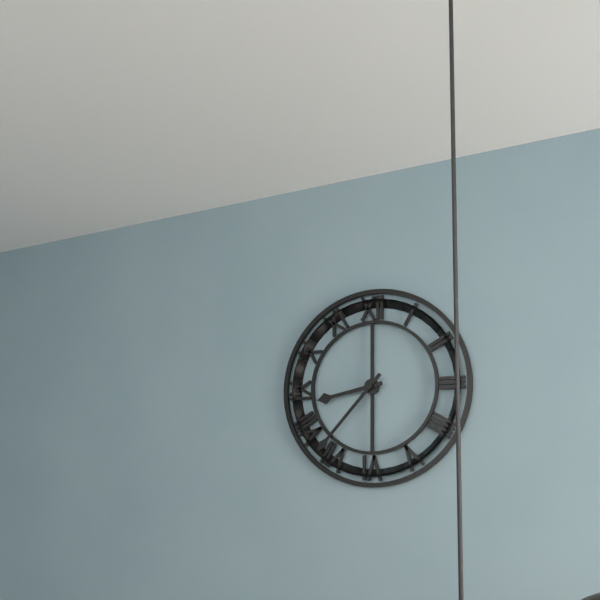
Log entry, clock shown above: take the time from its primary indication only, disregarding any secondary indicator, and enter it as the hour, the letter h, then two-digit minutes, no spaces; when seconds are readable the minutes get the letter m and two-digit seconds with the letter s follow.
8h37
